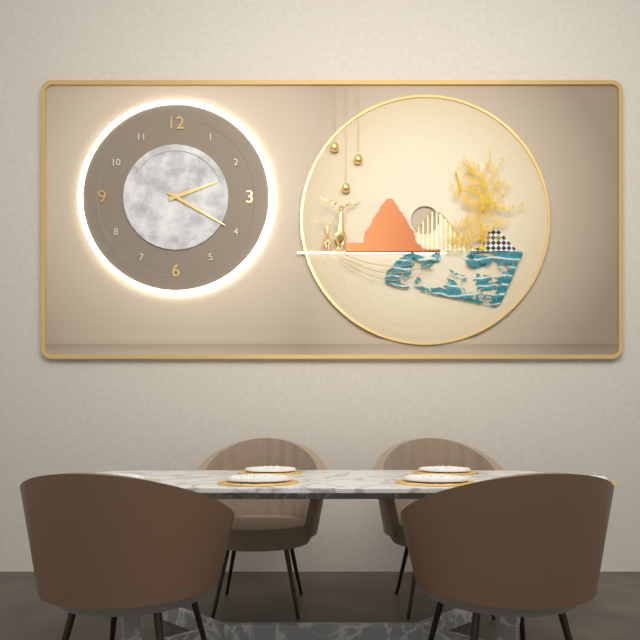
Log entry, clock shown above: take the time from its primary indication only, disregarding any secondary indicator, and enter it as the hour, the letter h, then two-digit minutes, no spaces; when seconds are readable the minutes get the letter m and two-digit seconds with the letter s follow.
2h20
